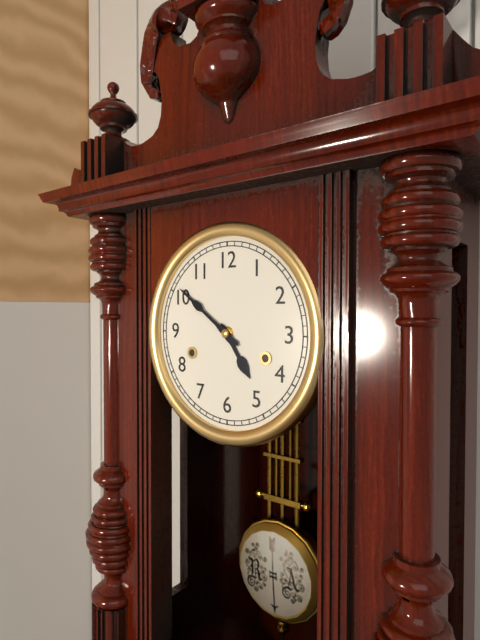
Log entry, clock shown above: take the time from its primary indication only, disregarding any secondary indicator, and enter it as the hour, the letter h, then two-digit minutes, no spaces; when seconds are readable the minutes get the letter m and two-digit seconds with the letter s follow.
4h51
